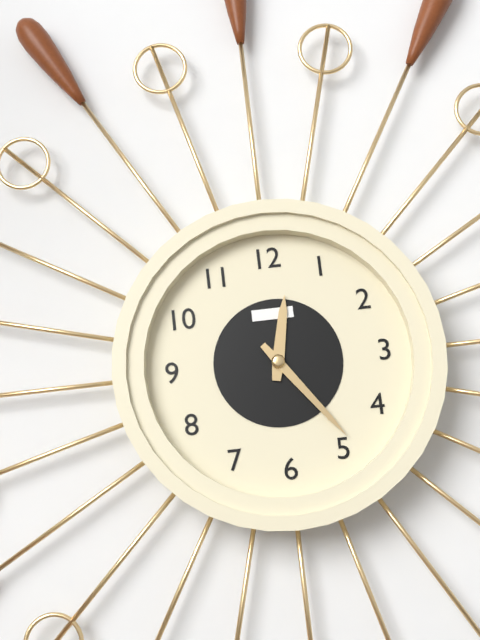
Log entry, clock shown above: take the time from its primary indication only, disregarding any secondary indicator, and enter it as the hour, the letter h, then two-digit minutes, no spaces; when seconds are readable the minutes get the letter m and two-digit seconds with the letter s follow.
12h24
